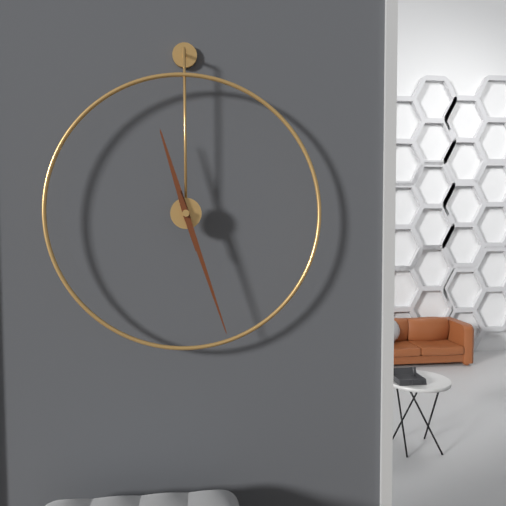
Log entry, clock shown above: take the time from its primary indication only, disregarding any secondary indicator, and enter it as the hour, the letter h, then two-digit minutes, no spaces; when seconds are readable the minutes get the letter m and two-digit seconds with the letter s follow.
11h27
